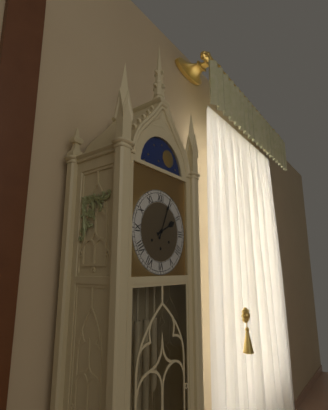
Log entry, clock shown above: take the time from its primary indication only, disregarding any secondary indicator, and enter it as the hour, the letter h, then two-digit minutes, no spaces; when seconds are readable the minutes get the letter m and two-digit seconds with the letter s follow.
2h04
